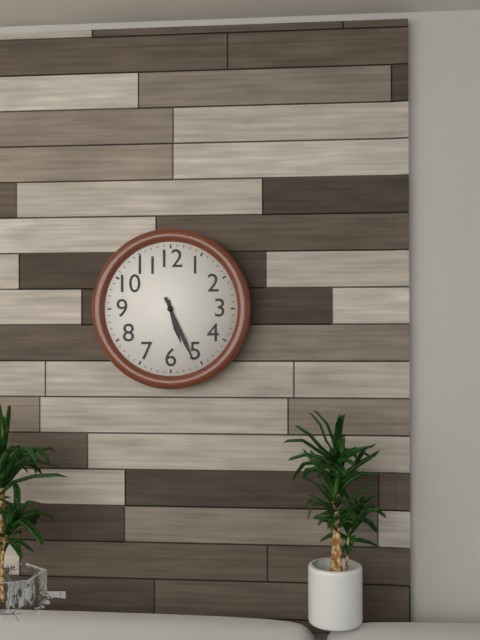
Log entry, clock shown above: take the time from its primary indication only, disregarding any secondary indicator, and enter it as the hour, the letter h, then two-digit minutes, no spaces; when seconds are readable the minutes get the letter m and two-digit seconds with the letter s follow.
5h26
